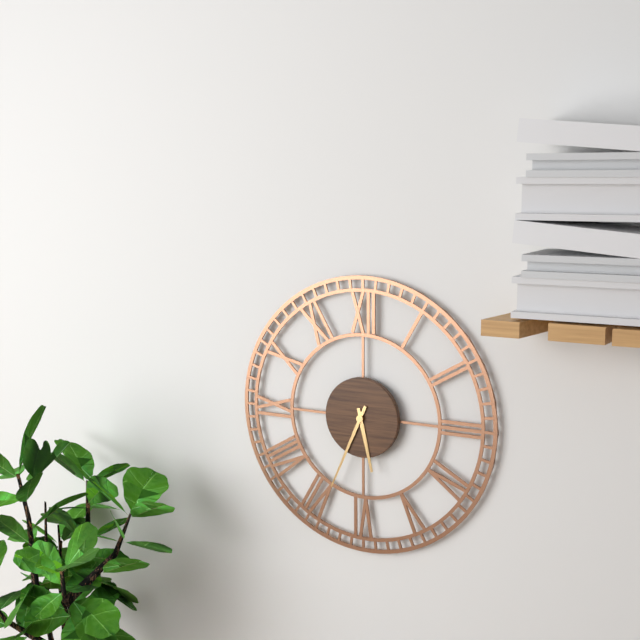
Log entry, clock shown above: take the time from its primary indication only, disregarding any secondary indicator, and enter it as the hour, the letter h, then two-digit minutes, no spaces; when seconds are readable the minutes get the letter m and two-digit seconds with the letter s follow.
5h34
